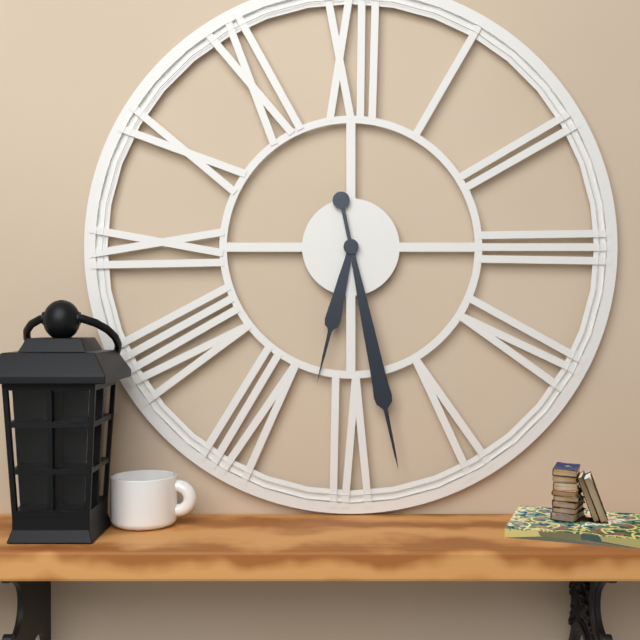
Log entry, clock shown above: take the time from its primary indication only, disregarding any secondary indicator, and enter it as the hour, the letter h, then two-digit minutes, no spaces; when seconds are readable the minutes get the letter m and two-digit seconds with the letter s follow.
6h28
